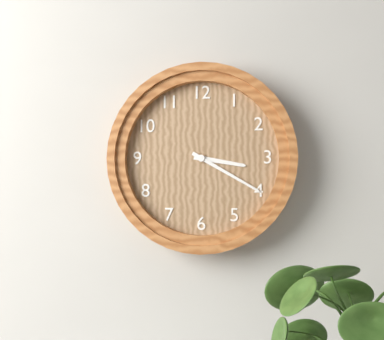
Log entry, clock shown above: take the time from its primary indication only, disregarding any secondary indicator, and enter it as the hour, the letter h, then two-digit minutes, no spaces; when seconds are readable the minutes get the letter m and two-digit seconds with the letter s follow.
3h20
